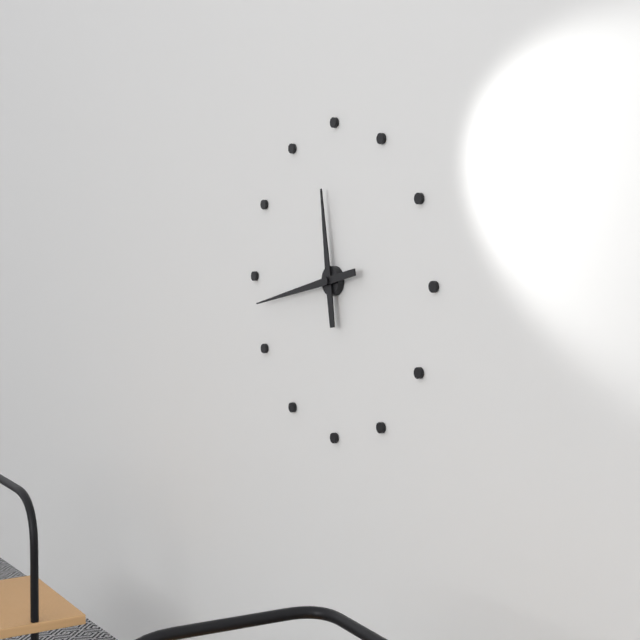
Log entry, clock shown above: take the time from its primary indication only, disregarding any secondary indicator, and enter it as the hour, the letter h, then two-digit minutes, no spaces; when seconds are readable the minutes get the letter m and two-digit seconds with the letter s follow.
11h43
